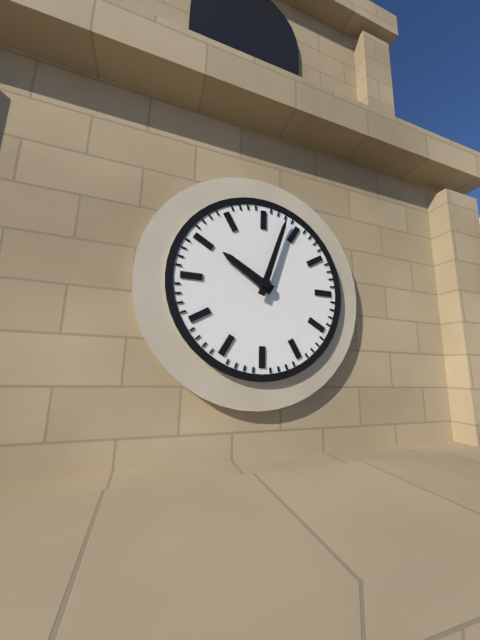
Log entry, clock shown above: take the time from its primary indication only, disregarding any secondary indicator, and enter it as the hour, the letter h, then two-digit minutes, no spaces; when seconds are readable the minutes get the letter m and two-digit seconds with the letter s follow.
10h03
